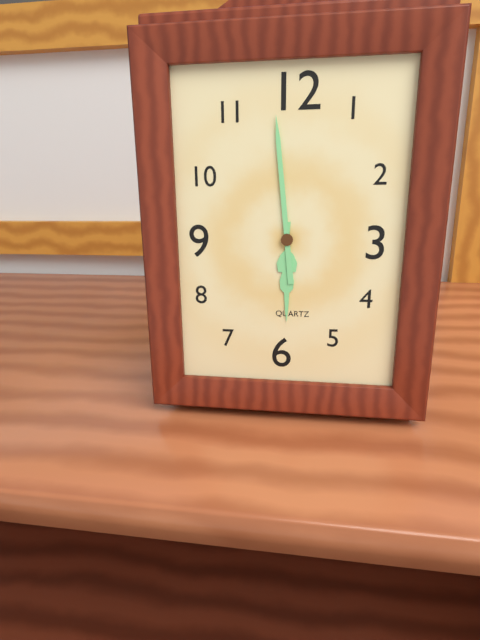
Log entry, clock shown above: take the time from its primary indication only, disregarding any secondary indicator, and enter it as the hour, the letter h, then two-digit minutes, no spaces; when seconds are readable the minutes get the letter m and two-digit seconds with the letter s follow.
5h59
